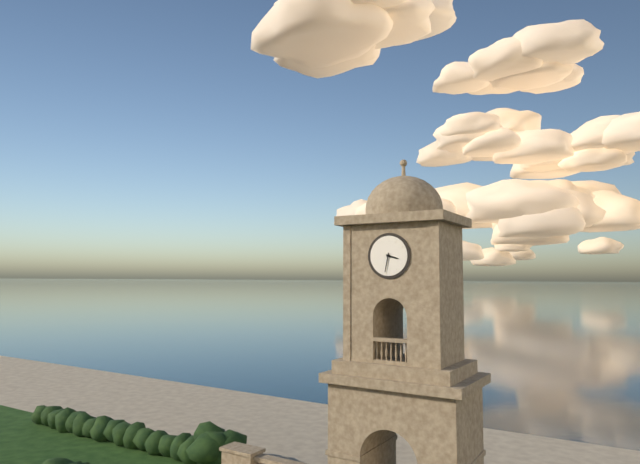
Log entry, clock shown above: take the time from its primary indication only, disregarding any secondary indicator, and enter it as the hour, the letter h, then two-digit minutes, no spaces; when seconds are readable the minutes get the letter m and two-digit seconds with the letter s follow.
3h32
